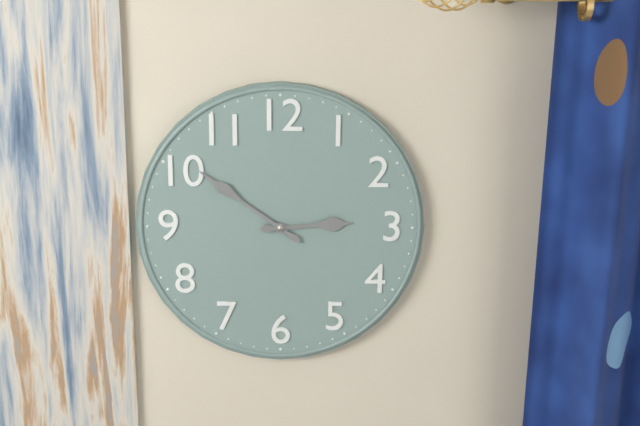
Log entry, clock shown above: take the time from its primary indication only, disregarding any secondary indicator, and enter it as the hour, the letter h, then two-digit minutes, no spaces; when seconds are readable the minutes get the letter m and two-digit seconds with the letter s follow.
2h51
